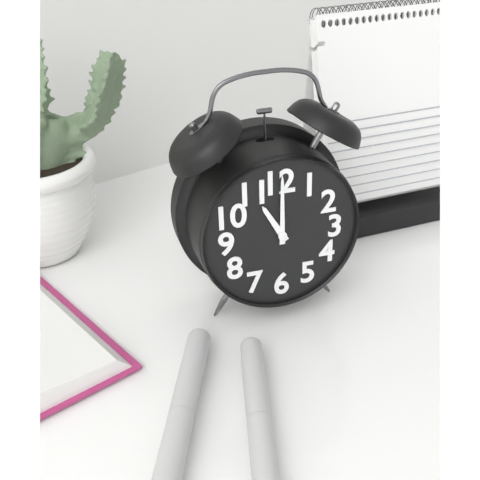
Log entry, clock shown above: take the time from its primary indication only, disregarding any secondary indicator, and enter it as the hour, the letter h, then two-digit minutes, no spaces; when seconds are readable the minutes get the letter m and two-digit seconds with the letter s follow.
11h00
